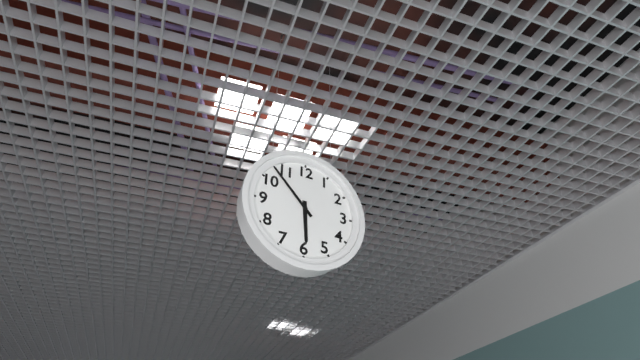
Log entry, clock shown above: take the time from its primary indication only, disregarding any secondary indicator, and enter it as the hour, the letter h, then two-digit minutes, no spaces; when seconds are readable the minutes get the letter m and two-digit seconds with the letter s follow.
5h53
